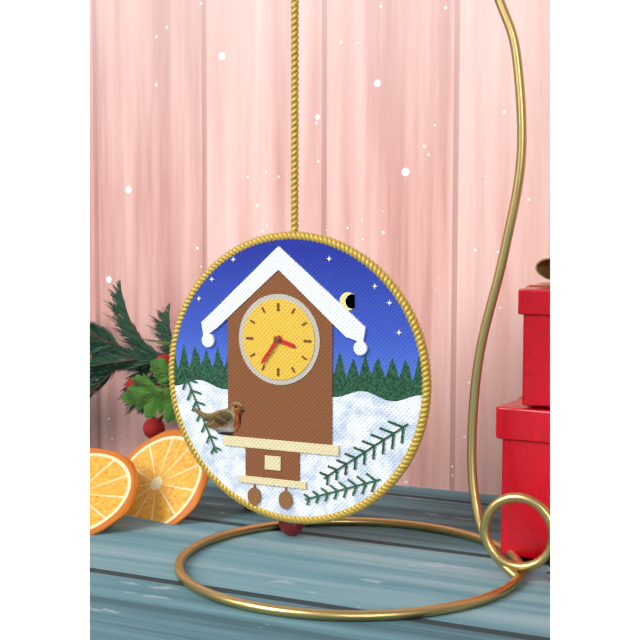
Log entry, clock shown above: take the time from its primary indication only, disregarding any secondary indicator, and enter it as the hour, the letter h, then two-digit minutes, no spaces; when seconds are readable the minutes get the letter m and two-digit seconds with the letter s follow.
3h36
